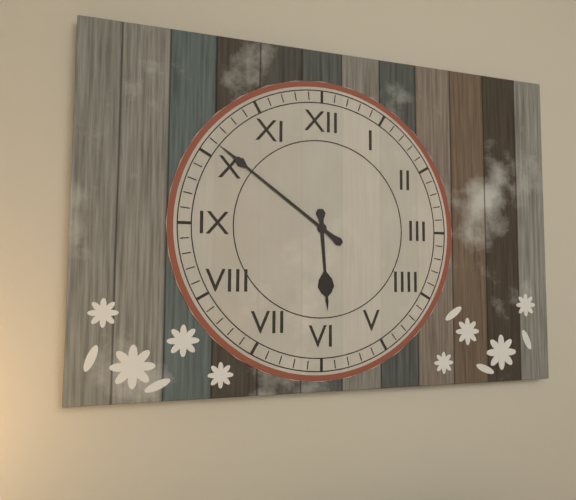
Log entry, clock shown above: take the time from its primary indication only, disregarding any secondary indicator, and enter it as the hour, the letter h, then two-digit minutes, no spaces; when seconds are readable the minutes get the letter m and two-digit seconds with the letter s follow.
5h51
